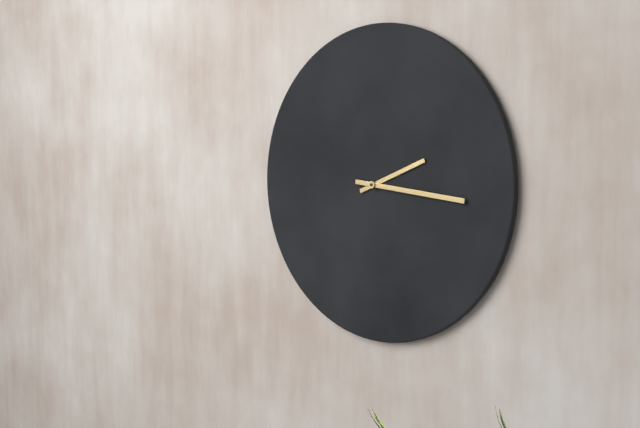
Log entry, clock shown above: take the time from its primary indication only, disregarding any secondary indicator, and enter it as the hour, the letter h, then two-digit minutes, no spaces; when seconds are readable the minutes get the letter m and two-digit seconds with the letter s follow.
2h16
